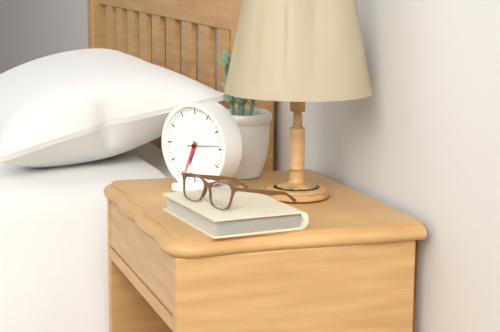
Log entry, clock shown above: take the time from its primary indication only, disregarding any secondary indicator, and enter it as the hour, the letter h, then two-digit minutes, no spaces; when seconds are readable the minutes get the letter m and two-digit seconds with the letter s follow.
6h34
